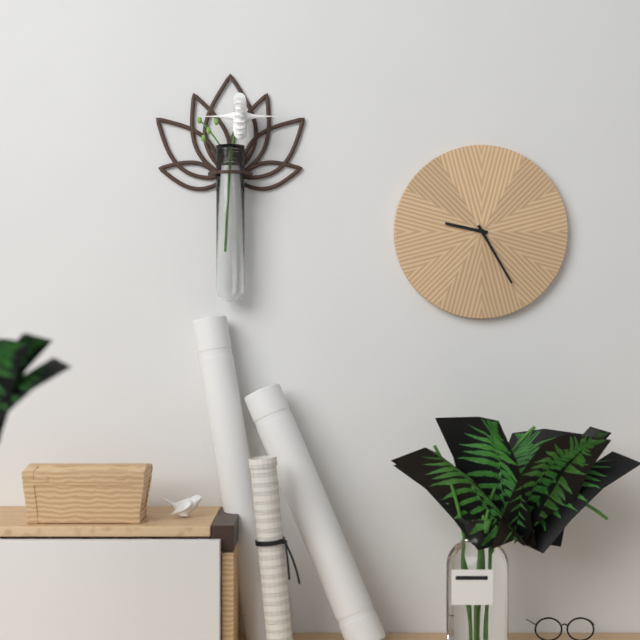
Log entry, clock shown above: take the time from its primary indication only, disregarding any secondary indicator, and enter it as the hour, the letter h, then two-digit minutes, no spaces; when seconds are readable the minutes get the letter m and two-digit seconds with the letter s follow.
9h25
